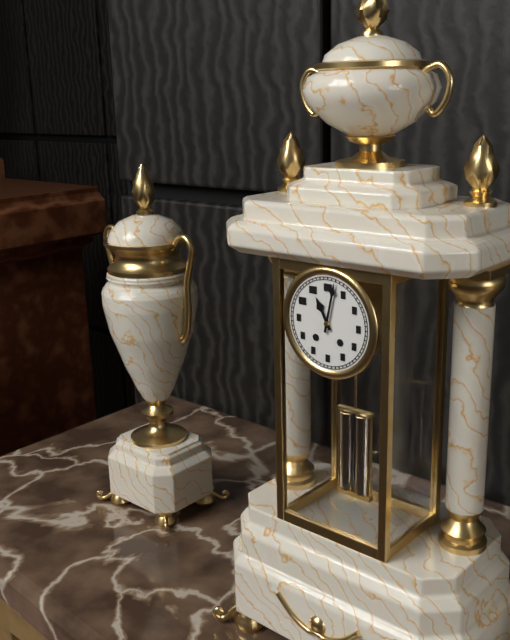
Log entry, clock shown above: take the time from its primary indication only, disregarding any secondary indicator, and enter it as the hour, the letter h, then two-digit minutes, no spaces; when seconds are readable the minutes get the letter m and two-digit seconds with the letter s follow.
11h02
